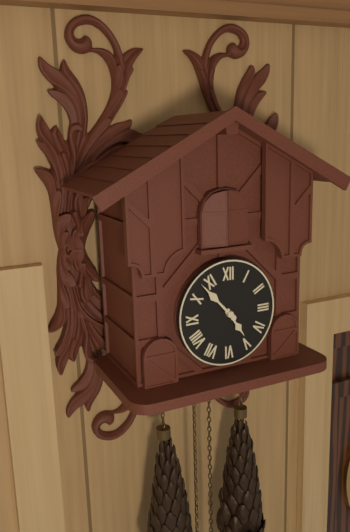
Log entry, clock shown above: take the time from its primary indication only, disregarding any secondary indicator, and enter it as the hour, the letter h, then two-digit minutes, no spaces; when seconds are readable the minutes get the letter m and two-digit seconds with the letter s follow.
4h53
